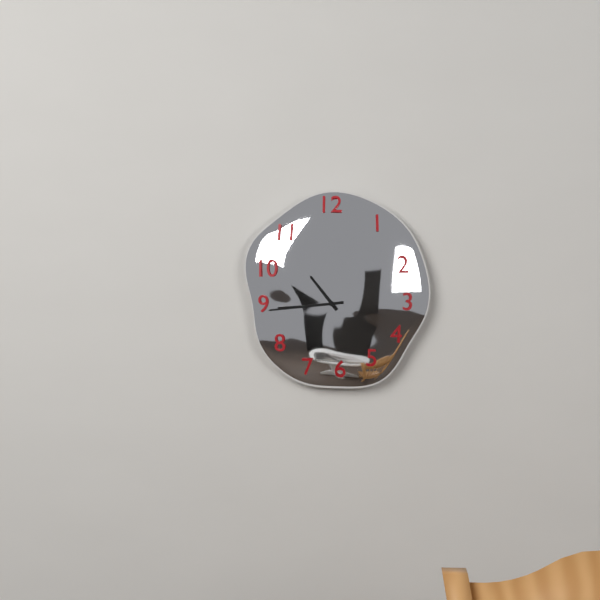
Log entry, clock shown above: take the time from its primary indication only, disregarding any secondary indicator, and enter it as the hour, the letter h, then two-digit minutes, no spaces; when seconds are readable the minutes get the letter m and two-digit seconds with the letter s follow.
10h44
